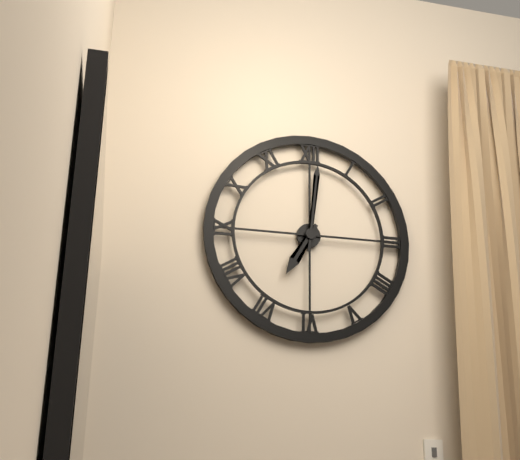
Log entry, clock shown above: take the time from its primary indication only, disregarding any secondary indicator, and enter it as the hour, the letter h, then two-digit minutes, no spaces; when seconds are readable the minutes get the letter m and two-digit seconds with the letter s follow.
7h01
